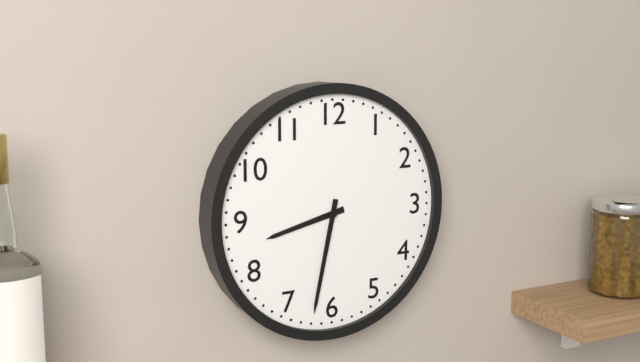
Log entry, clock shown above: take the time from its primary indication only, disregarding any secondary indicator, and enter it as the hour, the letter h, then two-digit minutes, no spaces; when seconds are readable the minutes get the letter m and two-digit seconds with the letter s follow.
8h32
